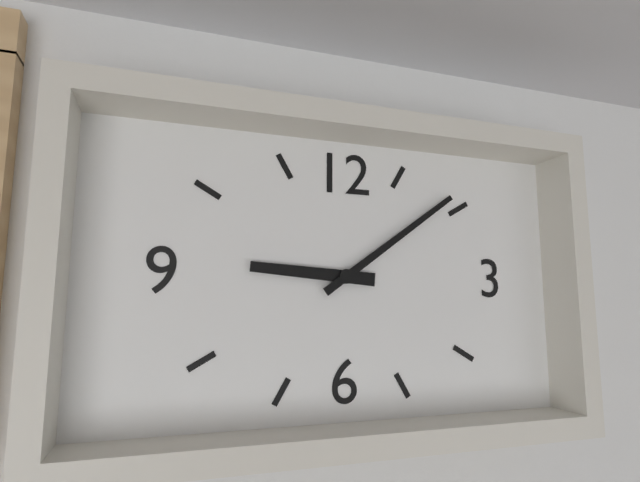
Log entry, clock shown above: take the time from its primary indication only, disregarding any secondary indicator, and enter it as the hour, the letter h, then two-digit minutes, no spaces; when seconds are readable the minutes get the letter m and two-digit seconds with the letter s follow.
9h09
